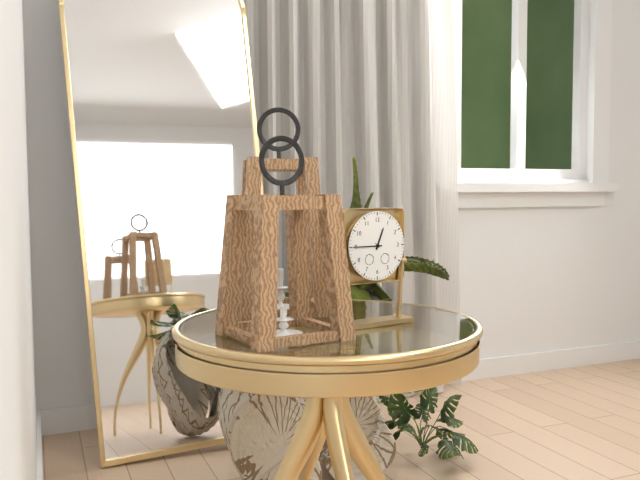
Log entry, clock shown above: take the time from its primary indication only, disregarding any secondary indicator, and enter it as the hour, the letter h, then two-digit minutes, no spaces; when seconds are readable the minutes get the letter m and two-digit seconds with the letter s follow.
12h45
